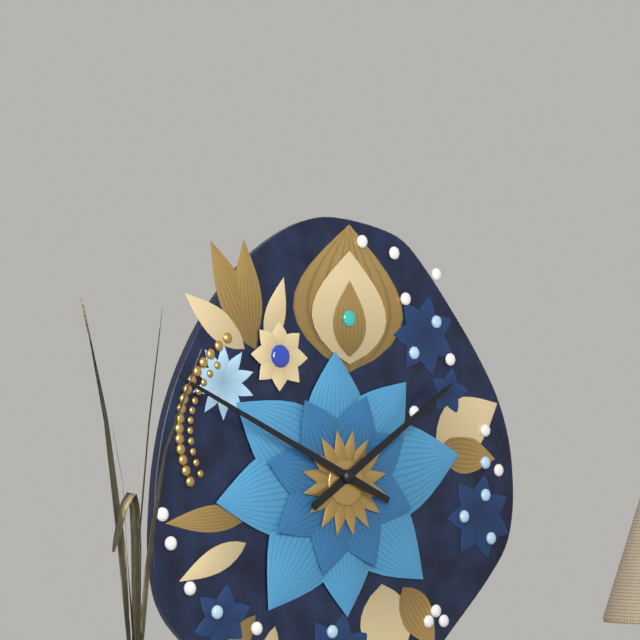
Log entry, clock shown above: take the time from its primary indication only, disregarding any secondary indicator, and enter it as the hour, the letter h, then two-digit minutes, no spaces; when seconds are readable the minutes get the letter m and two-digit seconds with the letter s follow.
1h49
